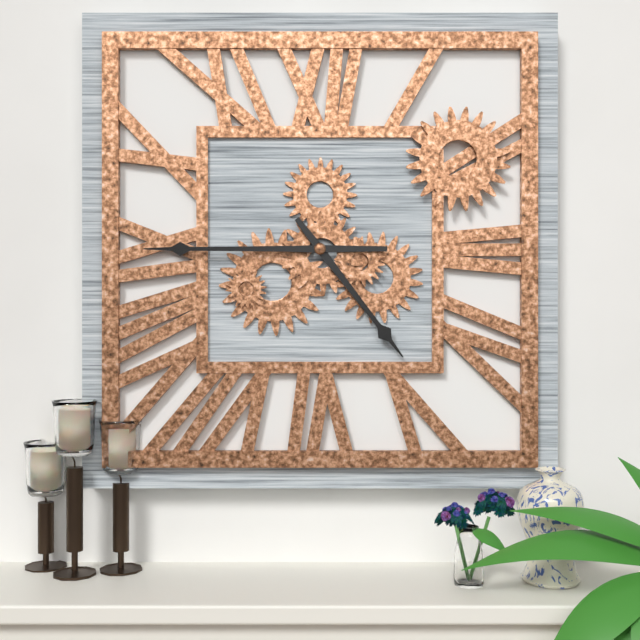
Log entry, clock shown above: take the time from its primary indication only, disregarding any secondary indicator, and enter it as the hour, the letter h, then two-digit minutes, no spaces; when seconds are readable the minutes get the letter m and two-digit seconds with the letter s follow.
4h45
